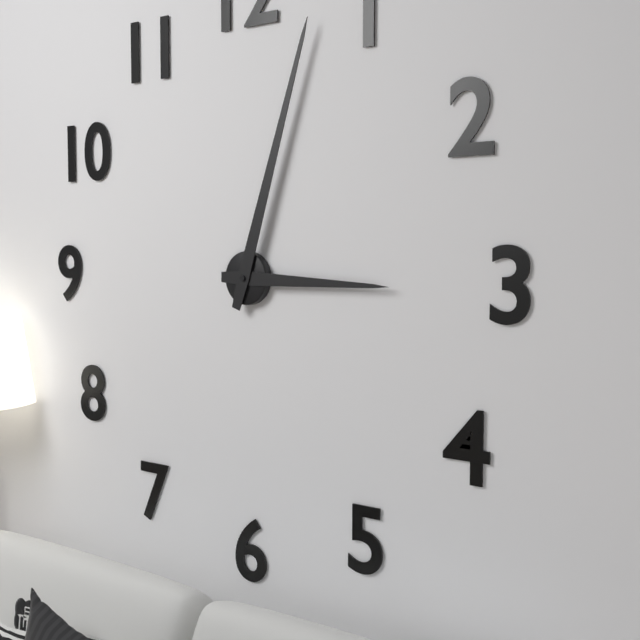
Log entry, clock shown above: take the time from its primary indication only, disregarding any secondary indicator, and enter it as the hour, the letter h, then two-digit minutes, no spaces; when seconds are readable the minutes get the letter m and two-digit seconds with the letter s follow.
3h03
